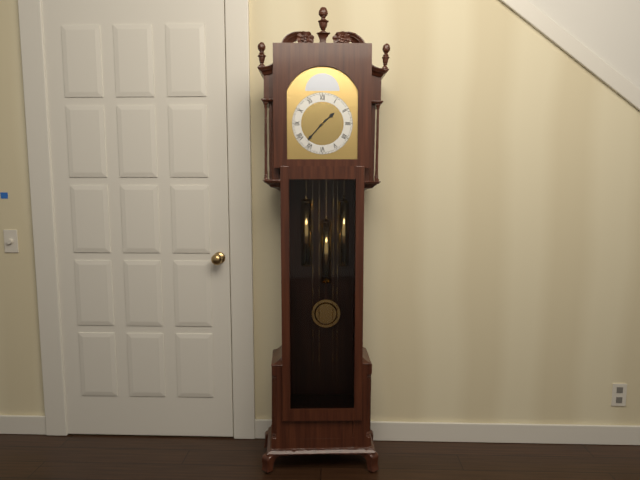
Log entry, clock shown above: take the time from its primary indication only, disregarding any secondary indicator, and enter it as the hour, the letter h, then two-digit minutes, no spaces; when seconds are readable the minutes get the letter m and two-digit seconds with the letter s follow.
1h37
